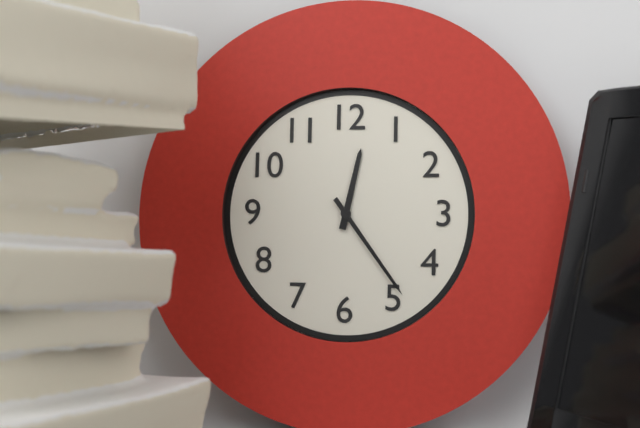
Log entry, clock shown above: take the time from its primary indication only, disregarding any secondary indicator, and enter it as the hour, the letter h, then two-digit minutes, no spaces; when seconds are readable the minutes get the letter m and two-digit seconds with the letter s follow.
12h24
